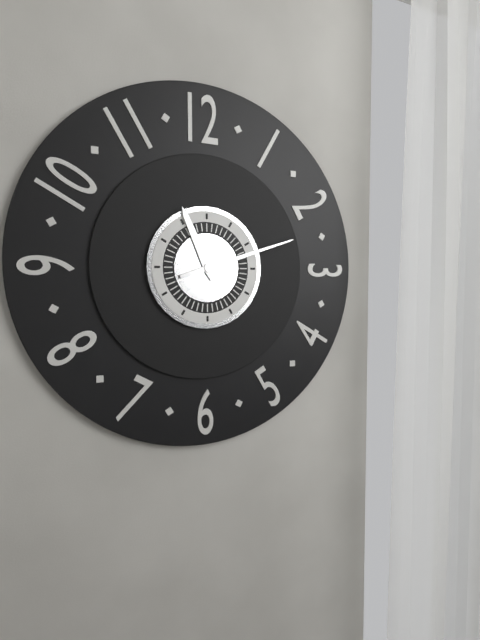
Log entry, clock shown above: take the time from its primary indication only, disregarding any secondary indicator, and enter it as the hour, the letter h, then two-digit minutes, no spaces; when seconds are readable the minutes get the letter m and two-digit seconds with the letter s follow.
11h12
